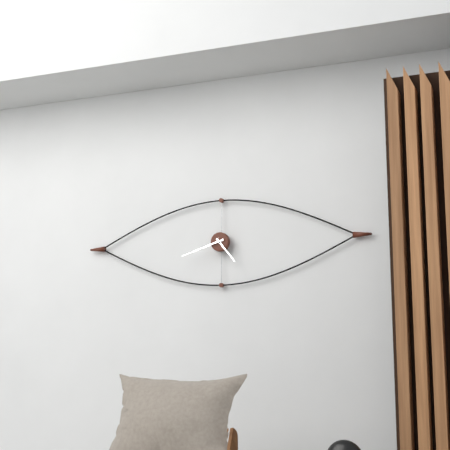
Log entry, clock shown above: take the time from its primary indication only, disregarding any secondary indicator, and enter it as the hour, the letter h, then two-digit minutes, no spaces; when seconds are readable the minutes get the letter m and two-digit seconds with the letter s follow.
4h42
